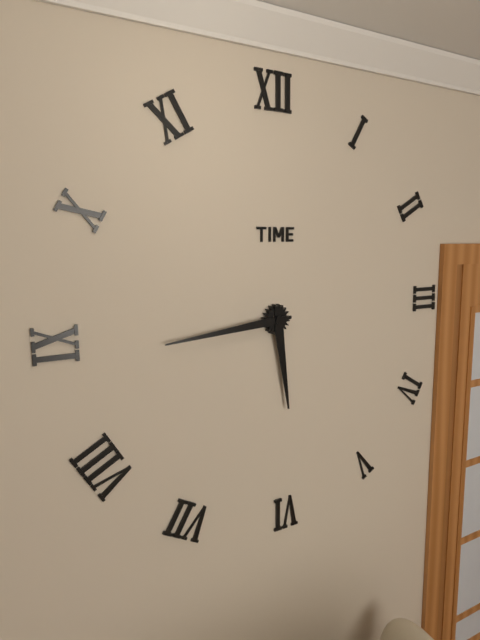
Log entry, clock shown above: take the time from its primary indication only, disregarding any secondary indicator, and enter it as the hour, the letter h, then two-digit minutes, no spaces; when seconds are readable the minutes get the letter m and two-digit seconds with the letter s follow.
5h44
